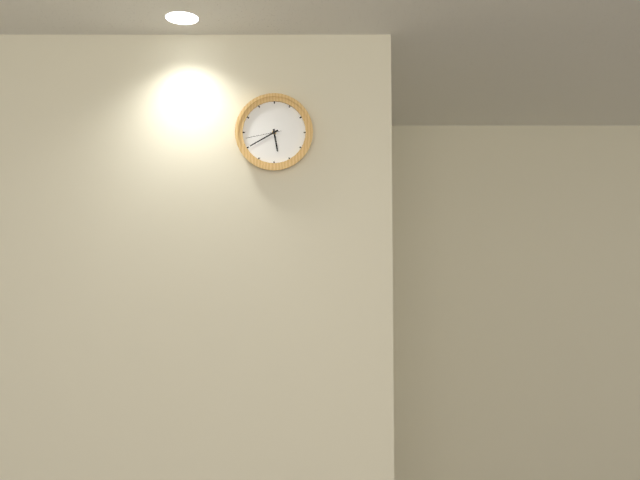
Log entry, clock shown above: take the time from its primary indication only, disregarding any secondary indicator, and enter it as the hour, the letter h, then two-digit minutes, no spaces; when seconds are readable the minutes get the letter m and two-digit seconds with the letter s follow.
5h40
